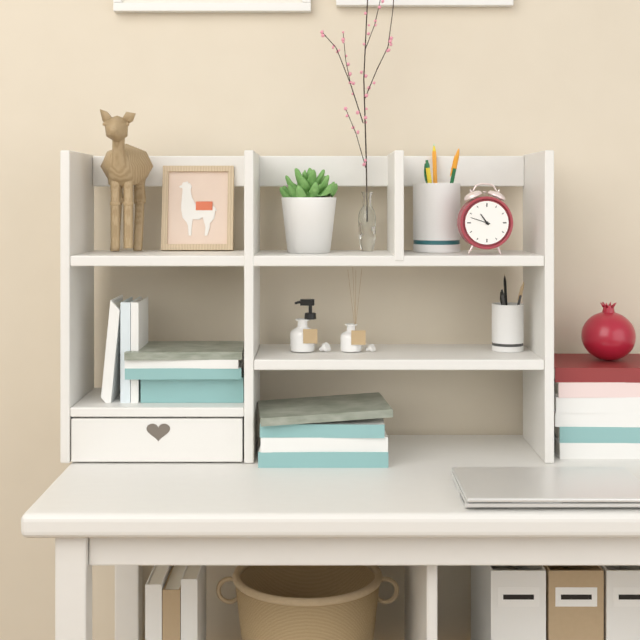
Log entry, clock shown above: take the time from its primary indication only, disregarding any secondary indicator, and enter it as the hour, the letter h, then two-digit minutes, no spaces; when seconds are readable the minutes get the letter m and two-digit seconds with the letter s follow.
10h48
